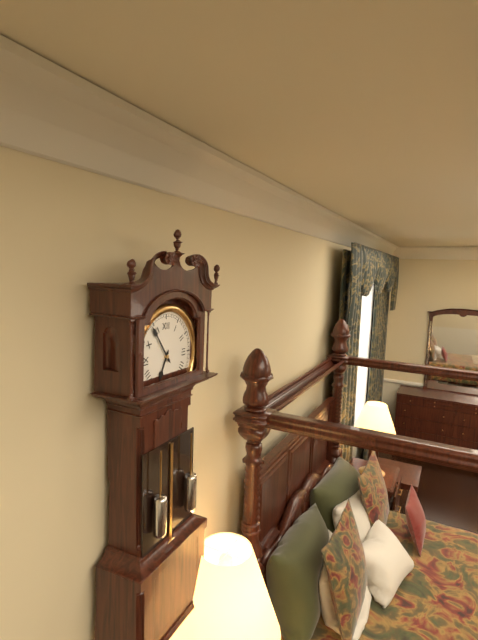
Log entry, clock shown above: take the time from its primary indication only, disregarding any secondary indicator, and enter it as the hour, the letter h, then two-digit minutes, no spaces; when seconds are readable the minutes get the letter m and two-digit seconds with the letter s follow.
6h54
